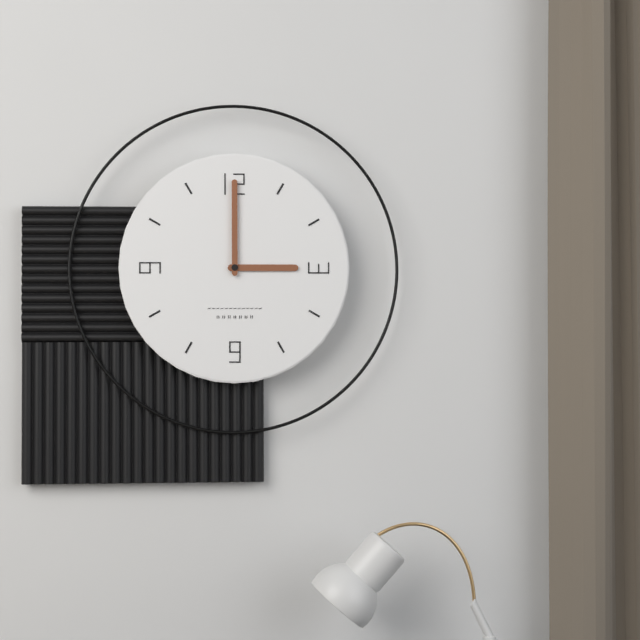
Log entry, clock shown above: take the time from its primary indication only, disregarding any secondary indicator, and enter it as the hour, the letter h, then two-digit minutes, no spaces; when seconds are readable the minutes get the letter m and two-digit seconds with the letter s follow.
3h00
